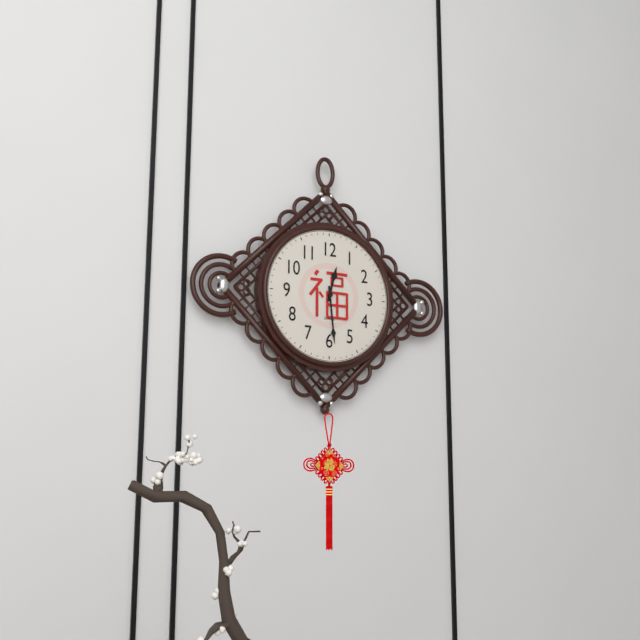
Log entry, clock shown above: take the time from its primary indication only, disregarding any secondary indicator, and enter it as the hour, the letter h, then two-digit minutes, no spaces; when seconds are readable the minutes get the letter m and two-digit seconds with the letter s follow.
12h29
